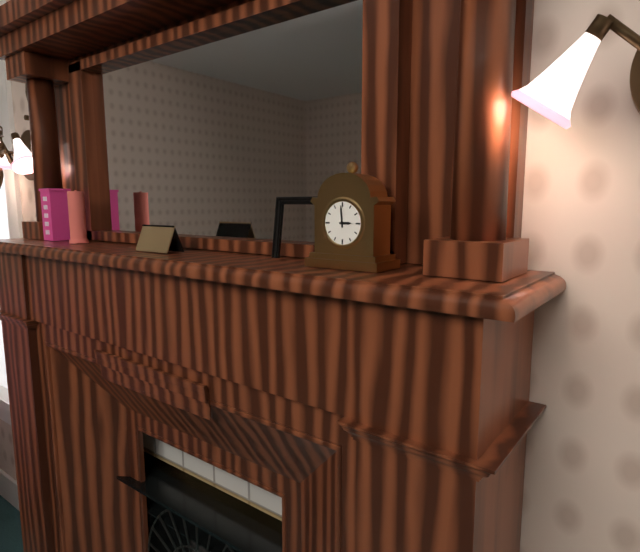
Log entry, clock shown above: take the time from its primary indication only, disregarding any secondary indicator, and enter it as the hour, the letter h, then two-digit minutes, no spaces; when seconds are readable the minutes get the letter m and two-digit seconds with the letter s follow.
2h59
